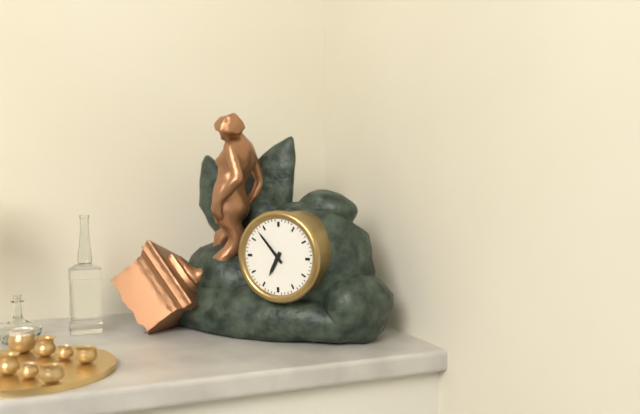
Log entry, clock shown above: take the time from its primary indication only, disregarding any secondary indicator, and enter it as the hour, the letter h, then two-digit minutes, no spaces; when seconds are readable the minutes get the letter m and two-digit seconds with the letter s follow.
6h53
